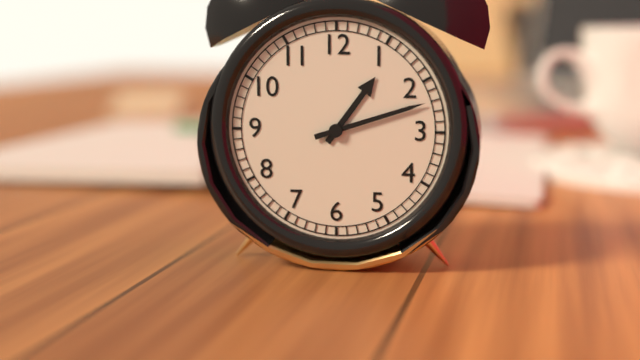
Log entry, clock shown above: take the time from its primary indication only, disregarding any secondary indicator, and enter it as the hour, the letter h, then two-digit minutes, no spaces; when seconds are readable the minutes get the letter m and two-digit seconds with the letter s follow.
1h12
